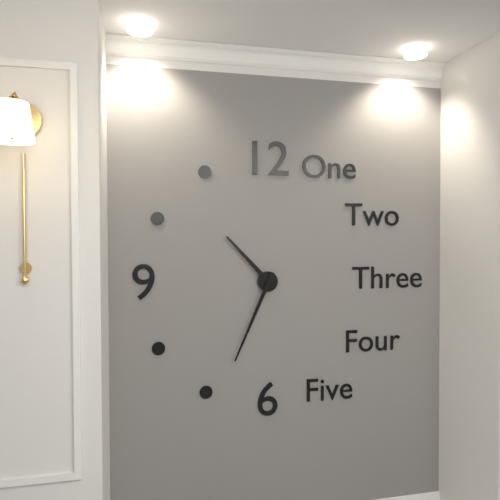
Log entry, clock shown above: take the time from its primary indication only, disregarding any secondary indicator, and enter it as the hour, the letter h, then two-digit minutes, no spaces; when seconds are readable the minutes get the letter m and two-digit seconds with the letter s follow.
10h34
